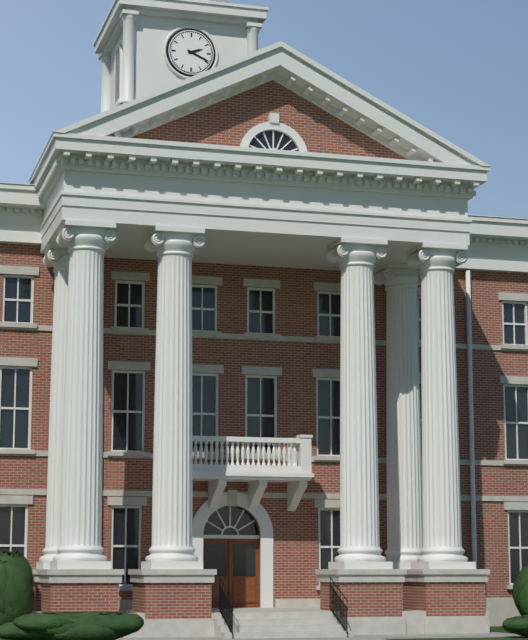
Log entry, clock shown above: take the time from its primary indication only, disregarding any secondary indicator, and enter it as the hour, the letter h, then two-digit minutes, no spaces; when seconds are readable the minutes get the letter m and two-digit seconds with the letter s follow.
2h19
